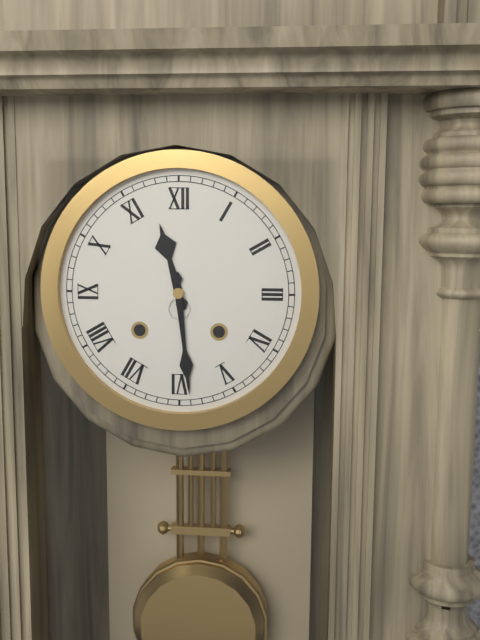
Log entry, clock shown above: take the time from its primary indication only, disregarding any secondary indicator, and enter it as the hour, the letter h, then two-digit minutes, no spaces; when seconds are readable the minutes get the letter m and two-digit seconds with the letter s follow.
11h29
